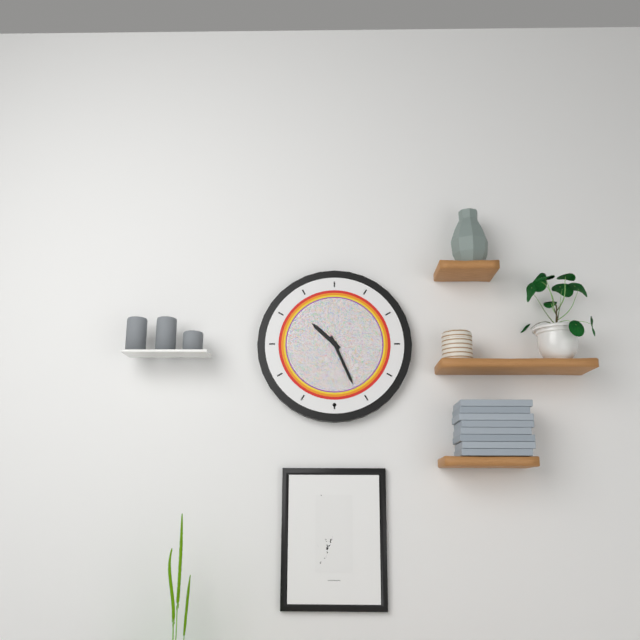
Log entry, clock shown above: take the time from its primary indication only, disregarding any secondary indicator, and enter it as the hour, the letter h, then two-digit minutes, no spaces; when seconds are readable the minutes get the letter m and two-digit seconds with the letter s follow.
10h26
